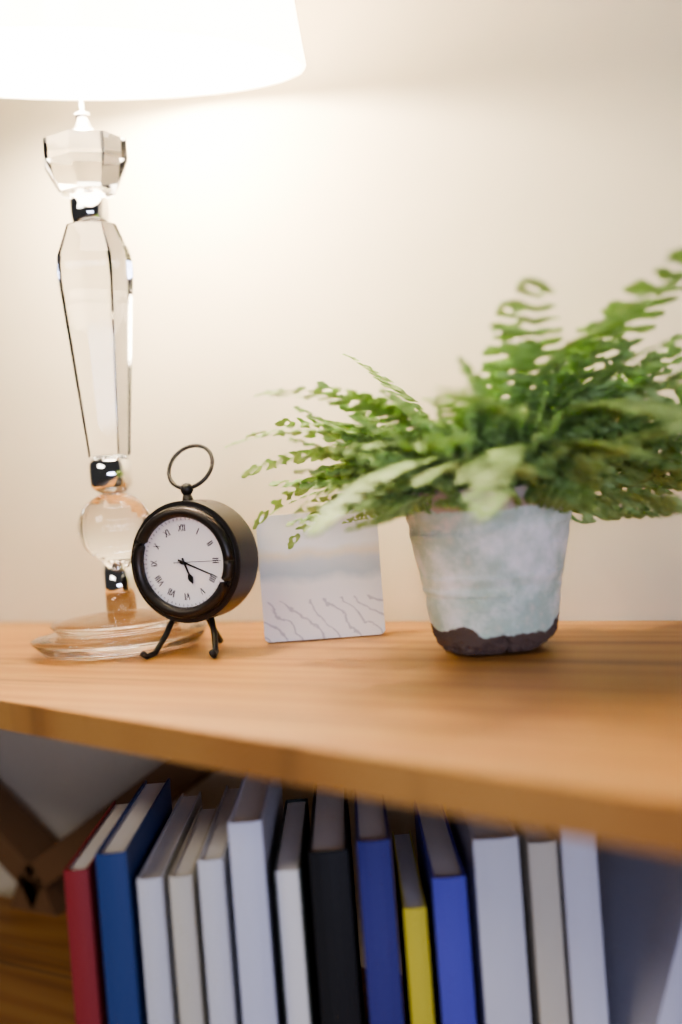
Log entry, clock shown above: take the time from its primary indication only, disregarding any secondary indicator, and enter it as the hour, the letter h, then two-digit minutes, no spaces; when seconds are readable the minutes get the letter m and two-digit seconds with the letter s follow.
5h19
